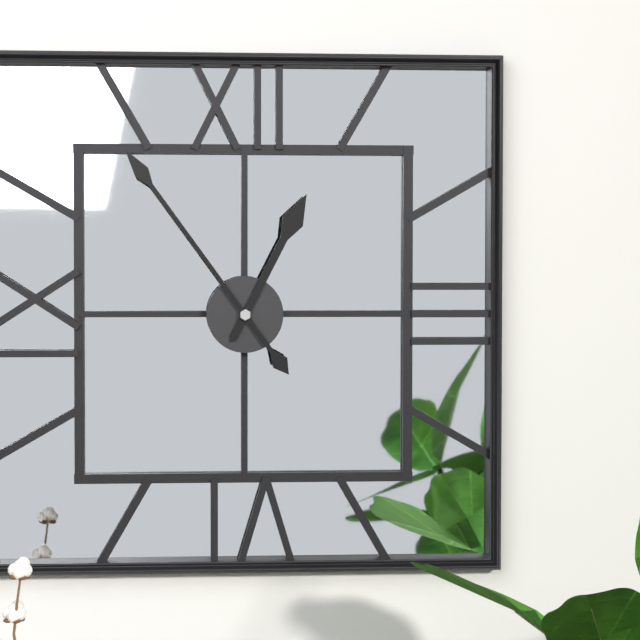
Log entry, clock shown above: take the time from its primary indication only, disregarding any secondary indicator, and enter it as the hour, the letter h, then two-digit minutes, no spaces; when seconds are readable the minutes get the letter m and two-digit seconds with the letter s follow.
12h54
